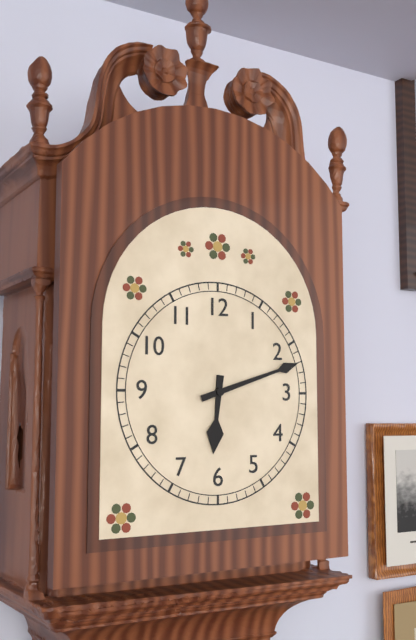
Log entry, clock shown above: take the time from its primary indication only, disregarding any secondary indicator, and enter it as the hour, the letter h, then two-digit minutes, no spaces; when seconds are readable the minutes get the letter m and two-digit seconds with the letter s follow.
6h12
